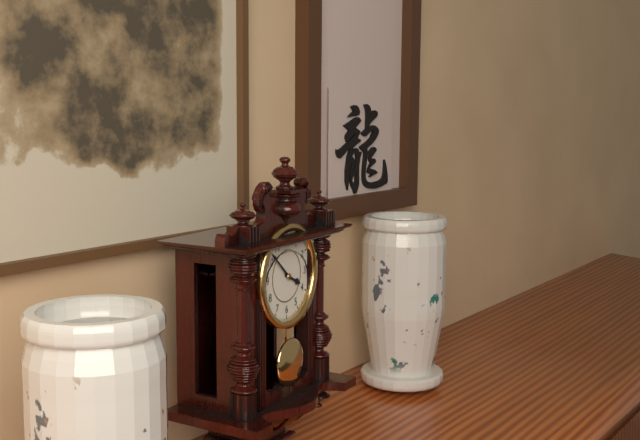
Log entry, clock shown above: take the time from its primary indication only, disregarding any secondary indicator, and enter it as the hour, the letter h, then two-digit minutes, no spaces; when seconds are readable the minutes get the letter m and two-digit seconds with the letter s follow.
3h52
